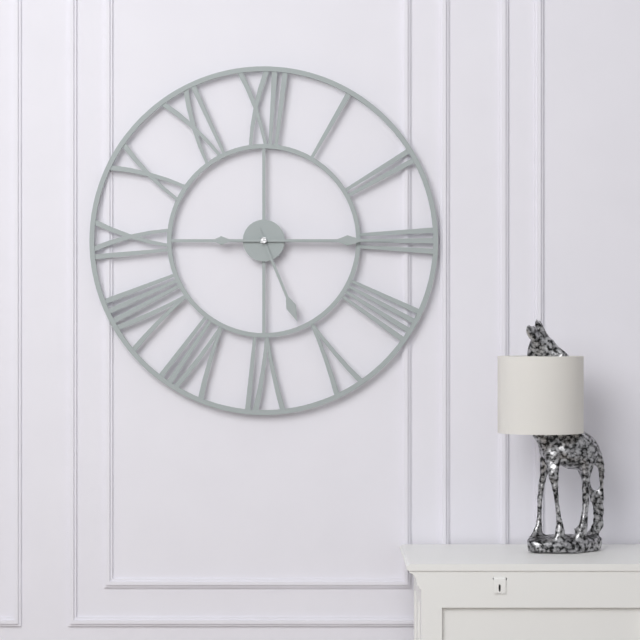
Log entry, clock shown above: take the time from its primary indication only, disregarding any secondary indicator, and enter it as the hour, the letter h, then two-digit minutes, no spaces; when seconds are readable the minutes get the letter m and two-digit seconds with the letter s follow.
5h15
